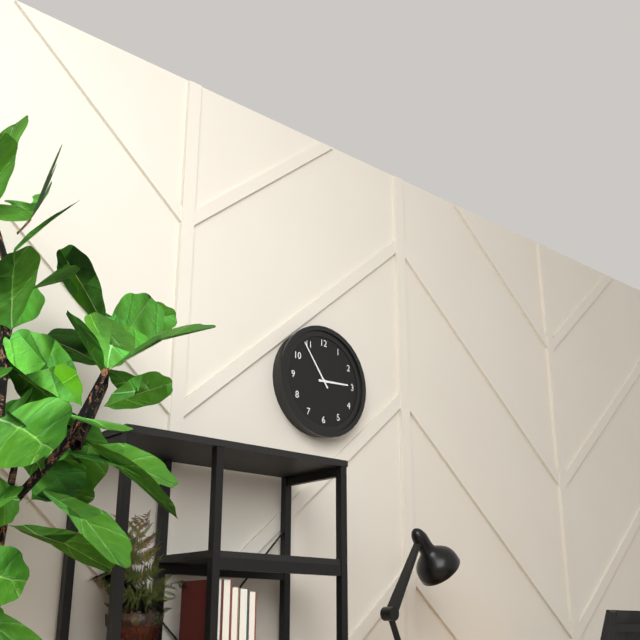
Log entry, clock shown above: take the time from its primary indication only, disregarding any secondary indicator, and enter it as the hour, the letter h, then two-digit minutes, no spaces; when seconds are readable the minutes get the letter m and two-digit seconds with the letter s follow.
2h54
